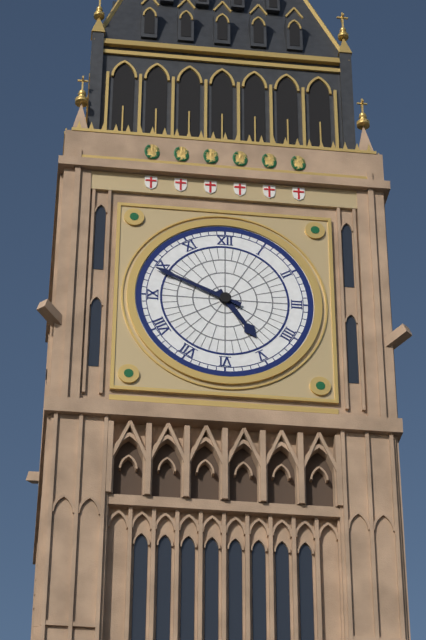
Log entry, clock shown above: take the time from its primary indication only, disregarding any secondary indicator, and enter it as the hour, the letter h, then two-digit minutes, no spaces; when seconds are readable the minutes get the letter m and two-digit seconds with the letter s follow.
4h49
